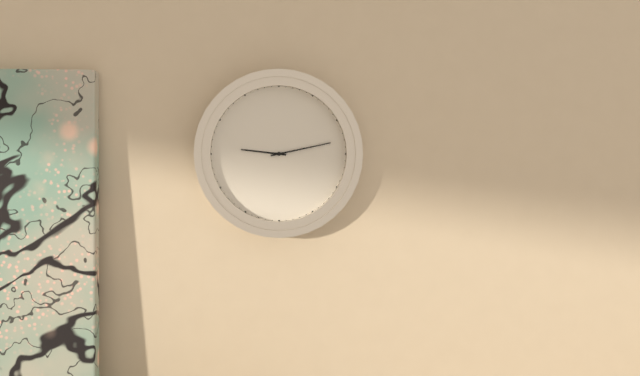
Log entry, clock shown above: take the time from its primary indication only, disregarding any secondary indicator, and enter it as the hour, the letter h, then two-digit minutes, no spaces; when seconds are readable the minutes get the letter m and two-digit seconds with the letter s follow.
9h13
